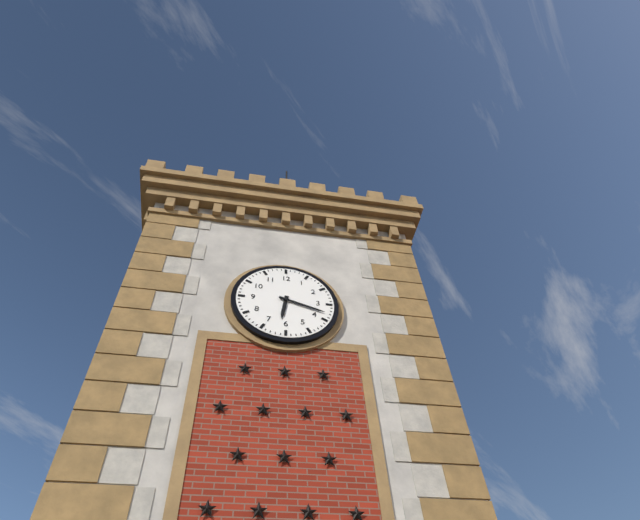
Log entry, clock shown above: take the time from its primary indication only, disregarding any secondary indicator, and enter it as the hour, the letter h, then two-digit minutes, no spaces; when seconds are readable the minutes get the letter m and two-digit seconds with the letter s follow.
6h18
